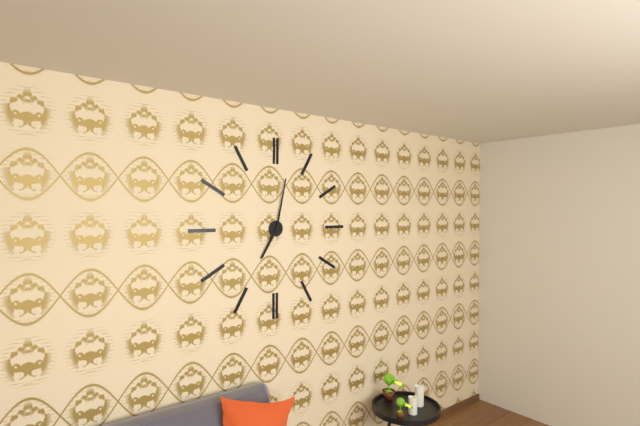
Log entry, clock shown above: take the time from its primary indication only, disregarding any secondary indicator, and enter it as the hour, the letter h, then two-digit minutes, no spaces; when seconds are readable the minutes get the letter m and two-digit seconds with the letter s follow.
7h02
